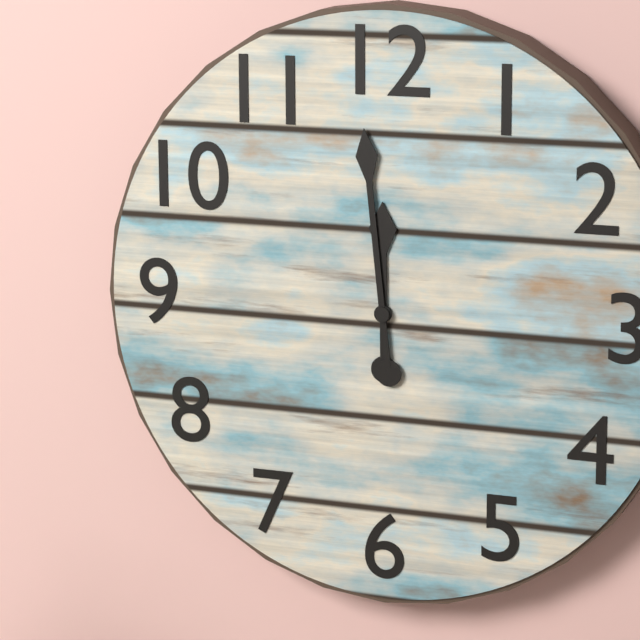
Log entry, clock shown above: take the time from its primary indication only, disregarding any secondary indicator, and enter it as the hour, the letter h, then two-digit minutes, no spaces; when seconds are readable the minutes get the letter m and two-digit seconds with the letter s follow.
11h59
